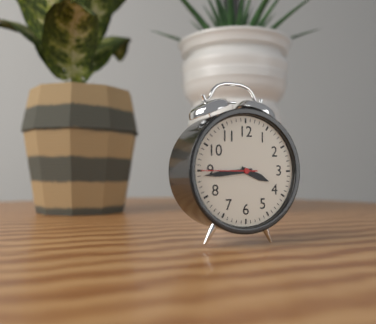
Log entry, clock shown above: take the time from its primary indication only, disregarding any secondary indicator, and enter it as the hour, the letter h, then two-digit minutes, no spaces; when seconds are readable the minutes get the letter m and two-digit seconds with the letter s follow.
3h44
